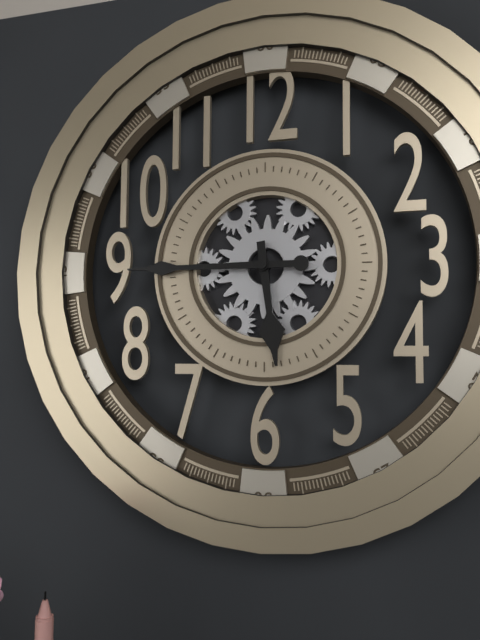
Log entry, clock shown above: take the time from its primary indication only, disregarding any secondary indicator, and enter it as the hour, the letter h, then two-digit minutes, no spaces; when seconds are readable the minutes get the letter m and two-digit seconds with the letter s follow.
5h45
